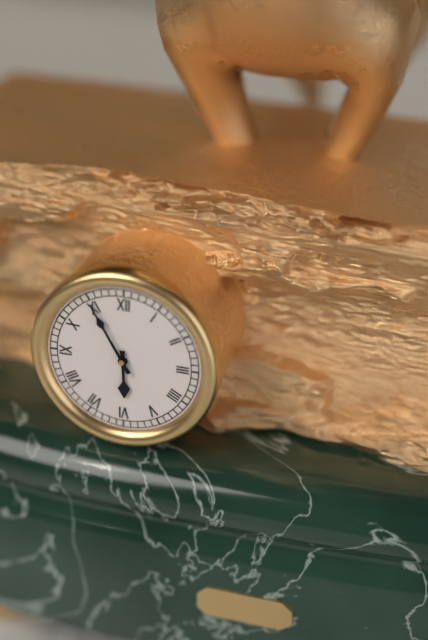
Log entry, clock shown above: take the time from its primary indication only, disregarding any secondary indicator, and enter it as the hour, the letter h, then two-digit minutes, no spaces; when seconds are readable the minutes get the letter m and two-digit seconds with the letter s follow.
5h55
